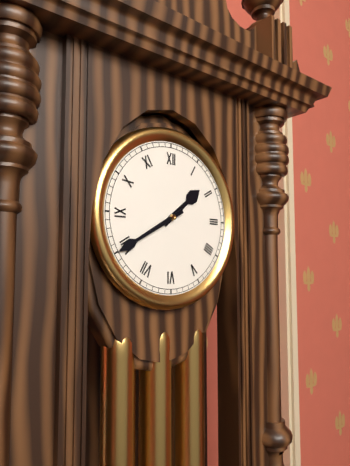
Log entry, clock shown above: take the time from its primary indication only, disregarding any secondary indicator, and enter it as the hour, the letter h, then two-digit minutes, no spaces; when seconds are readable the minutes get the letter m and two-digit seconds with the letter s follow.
1h40
